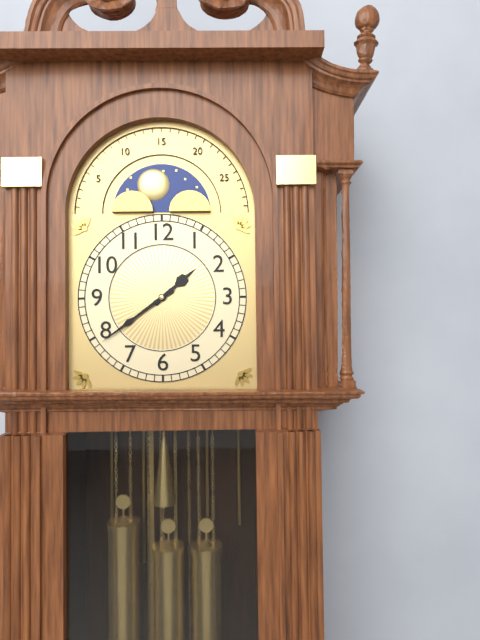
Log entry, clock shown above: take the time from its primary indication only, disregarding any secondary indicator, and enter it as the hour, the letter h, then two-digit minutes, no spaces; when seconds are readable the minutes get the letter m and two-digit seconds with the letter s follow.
1h39
